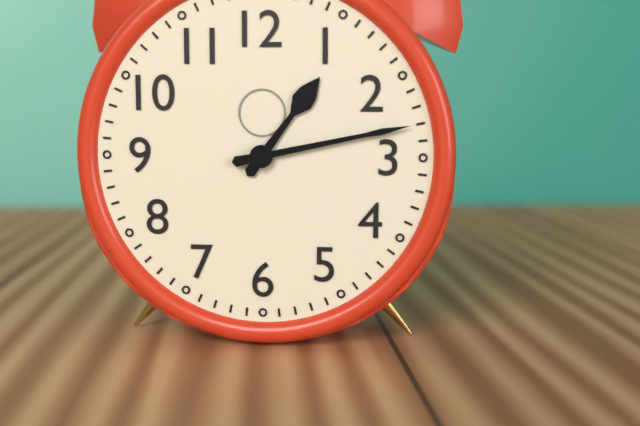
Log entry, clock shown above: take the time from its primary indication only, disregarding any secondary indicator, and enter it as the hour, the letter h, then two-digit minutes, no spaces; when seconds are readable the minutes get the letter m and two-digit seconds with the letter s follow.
1h13
